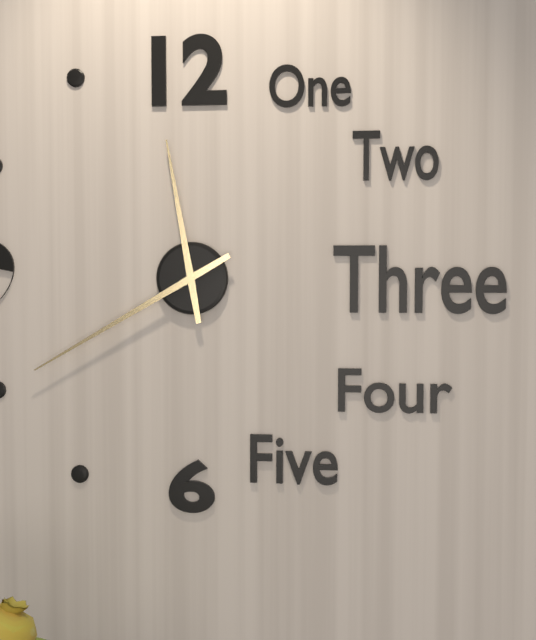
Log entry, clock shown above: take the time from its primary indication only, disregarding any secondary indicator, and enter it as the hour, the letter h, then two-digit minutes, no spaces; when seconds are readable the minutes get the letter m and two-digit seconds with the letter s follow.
11h40
